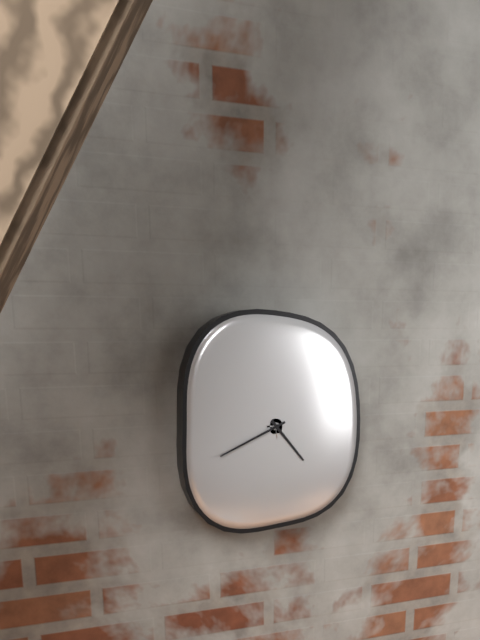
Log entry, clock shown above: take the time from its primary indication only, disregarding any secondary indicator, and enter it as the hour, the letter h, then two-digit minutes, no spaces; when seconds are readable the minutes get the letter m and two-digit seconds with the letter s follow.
4h41
